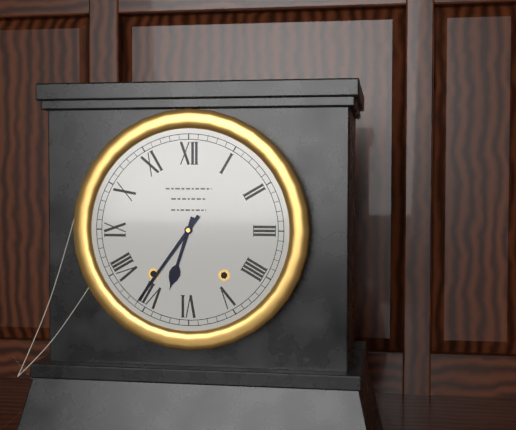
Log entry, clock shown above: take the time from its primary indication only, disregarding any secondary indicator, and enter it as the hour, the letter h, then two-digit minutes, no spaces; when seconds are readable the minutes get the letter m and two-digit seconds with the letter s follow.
6h36
